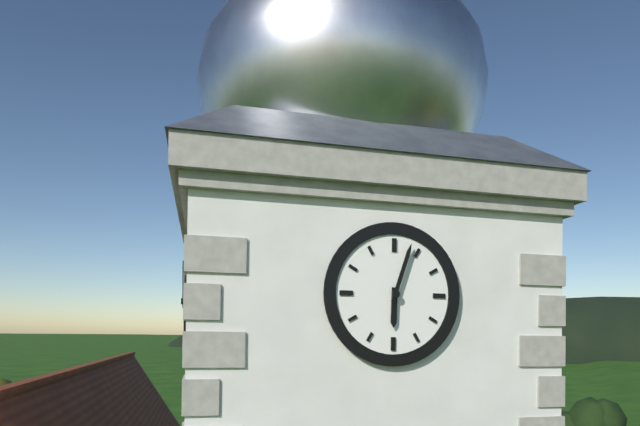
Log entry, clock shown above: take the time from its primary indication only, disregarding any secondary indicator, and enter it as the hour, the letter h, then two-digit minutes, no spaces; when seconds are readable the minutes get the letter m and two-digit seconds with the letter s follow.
6h03
